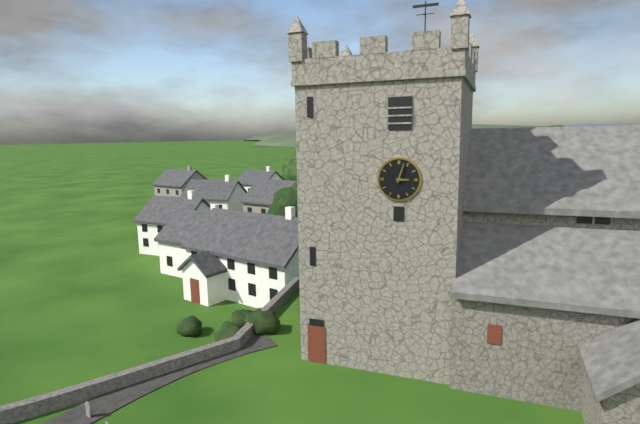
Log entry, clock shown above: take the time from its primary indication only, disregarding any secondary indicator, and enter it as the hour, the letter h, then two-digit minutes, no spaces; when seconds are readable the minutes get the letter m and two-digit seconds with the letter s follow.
3h03
